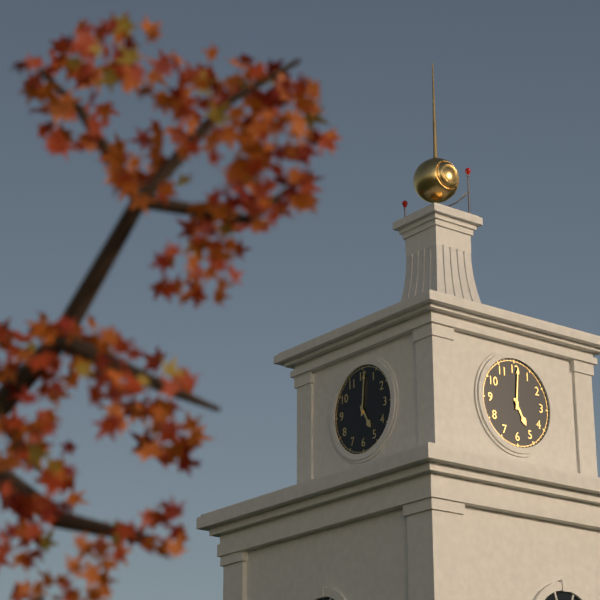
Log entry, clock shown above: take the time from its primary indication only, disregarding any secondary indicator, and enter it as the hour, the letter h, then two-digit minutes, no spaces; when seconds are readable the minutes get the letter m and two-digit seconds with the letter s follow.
5h01
